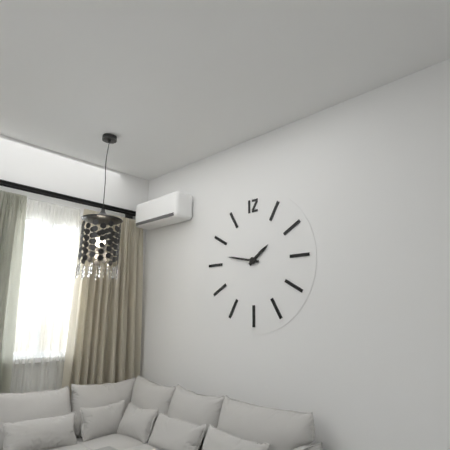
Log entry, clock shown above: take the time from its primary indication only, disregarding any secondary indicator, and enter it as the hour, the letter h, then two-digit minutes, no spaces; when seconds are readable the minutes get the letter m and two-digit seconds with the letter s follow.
1h47
